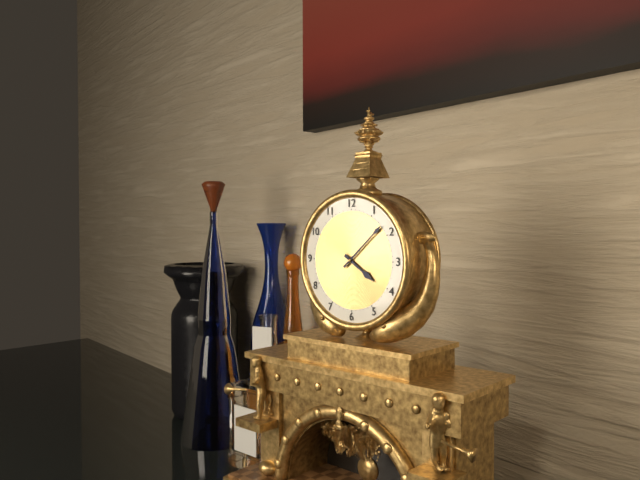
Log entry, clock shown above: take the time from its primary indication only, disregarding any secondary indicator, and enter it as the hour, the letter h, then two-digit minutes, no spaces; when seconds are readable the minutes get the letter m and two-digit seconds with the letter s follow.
4h08
